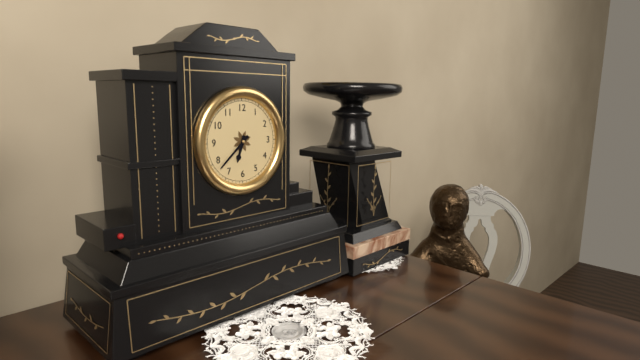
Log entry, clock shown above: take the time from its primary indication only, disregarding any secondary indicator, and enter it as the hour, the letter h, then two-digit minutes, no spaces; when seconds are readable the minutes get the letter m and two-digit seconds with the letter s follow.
6h38
